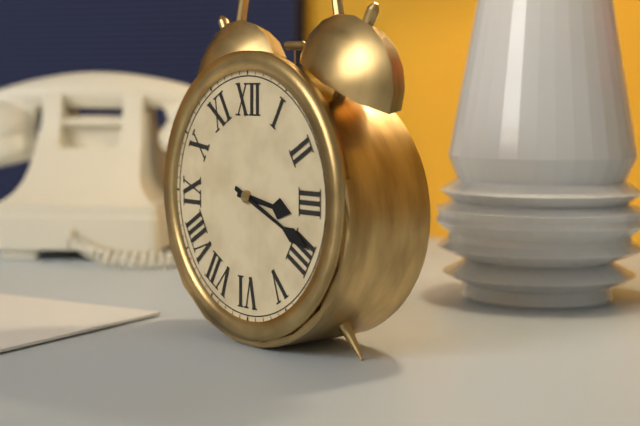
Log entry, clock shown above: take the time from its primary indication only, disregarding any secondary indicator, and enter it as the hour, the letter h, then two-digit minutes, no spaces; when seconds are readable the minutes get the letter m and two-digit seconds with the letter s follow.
3h19
